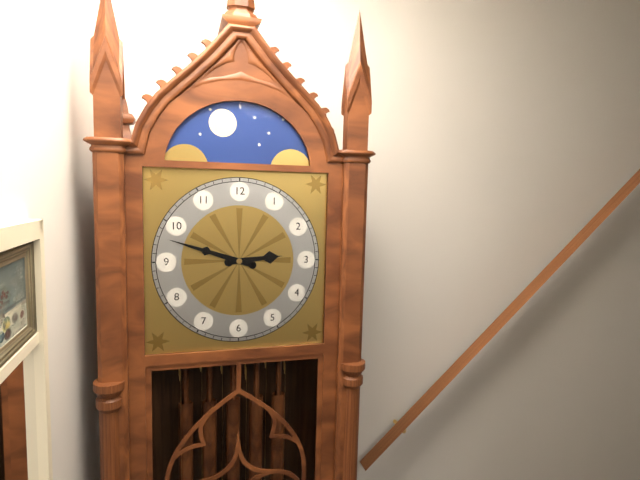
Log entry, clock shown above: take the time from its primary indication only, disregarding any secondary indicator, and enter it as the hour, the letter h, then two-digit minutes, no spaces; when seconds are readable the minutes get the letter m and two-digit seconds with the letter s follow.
2h48
